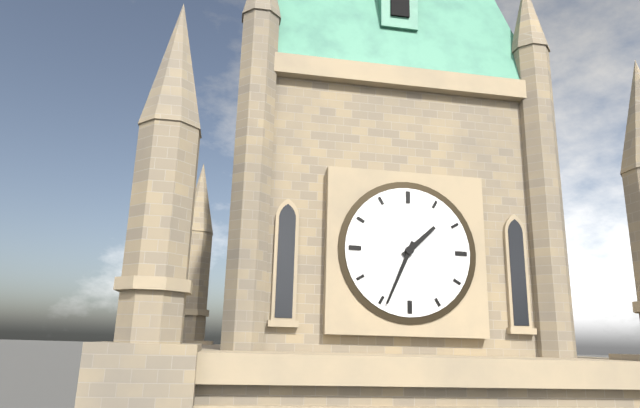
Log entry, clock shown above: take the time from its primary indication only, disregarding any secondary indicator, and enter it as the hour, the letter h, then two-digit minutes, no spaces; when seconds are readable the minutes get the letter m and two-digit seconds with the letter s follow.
1h34
